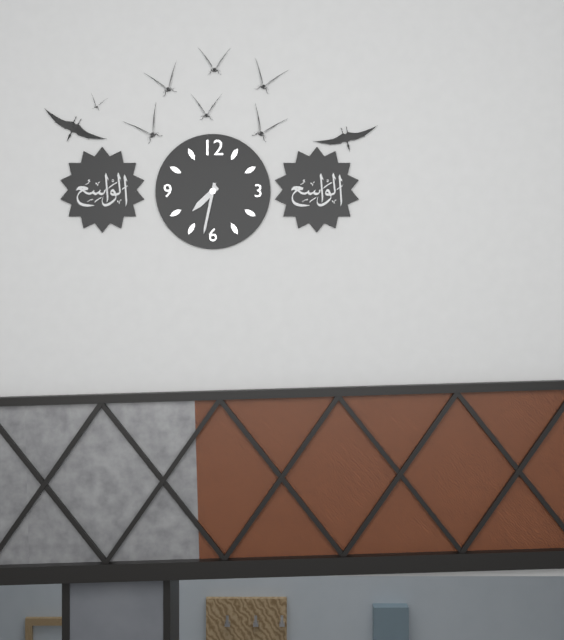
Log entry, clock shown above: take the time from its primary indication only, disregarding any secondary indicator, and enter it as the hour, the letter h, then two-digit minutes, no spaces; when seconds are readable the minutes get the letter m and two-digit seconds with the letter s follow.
7h32
